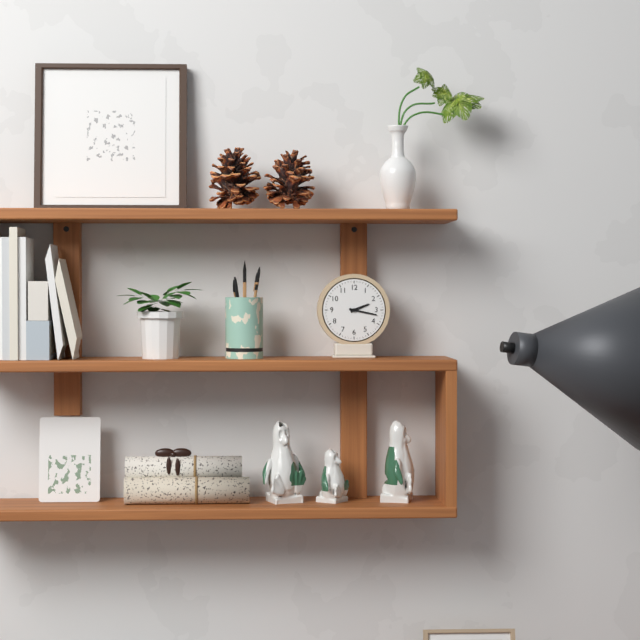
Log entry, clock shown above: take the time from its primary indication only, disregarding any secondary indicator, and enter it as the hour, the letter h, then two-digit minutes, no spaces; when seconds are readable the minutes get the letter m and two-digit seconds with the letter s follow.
2h17
